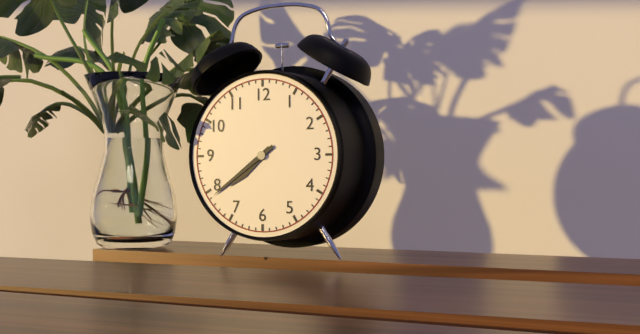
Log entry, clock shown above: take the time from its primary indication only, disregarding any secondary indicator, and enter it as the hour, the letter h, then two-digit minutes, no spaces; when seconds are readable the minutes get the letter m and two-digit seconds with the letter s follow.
7h39
